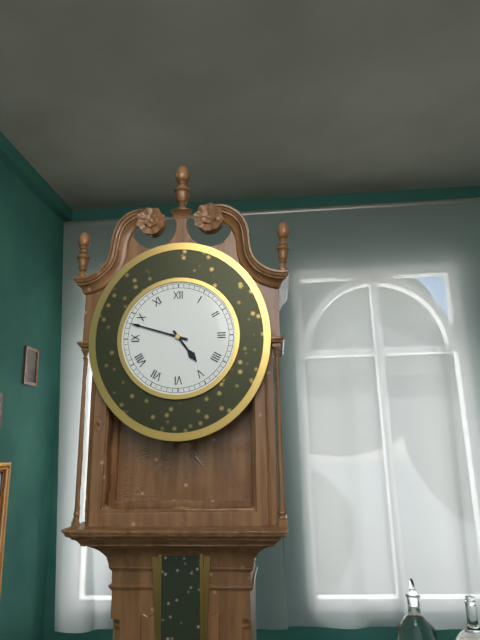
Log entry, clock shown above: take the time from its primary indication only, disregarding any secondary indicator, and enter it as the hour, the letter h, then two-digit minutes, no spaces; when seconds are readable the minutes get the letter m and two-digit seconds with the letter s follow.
4h48
